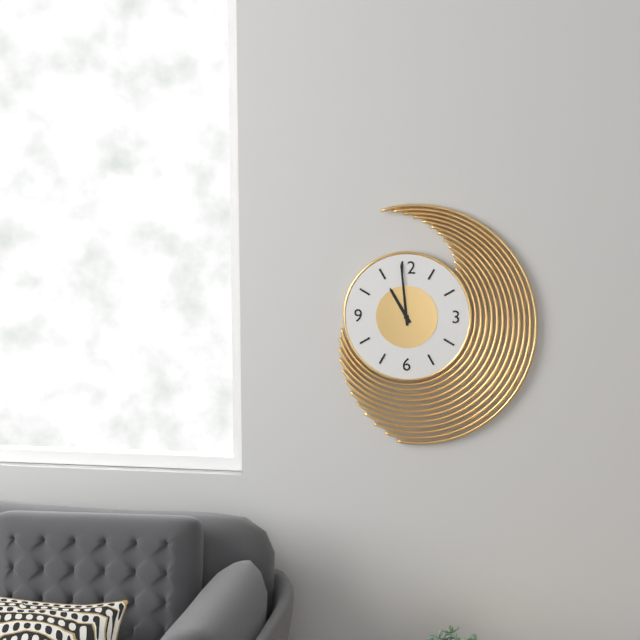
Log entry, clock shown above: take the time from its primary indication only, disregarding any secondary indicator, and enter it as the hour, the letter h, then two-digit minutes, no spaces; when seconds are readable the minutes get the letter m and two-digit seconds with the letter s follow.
10h59
